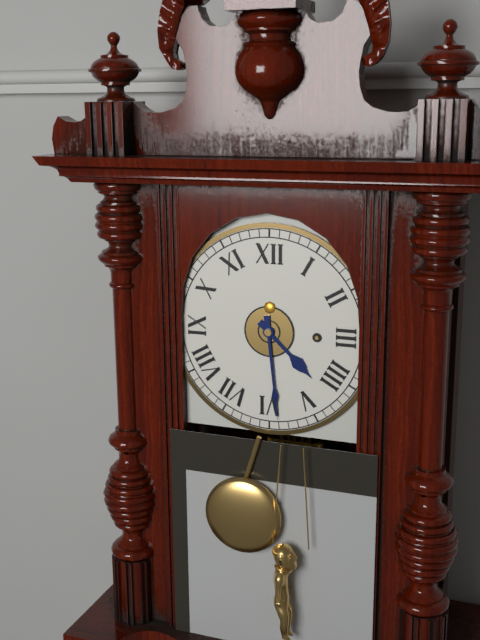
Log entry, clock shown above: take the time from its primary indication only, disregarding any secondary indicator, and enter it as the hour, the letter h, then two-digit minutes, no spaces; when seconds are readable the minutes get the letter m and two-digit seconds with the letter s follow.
4h29
